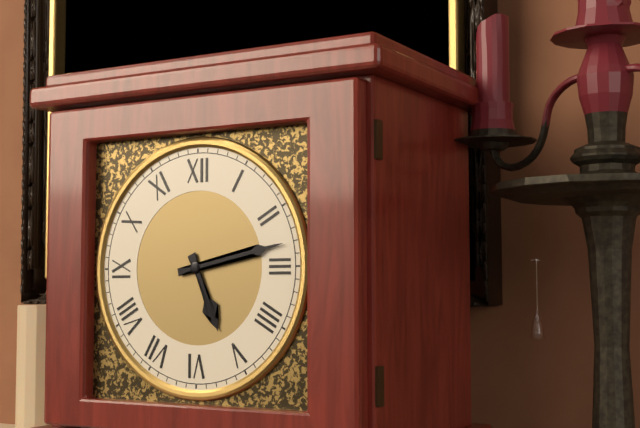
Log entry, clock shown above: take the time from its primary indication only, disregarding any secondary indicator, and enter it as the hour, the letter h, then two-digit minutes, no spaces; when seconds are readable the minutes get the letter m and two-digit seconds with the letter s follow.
5h13
